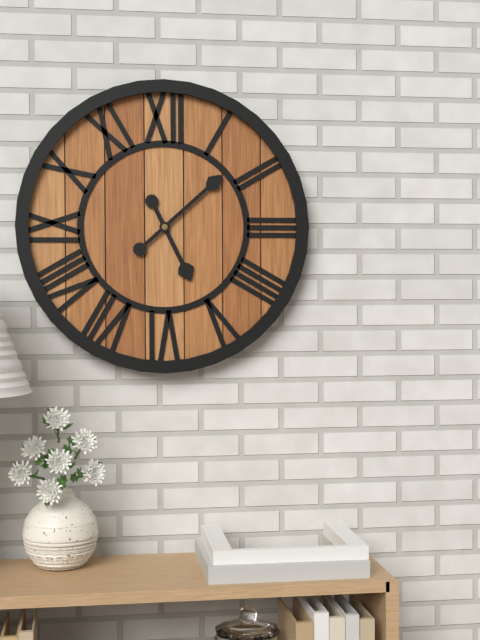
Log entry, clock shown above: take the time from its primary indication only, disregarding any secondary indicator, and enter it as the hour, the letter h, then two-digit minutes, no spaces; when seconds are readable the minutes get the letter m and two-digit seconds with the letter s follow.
5h08
